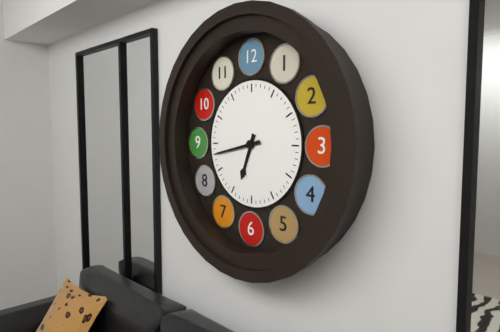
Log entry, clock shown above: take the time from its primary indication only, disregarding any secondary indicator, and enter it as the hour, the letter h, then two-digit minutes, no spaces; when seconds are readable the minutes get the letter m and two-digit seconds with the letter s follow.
6h43
